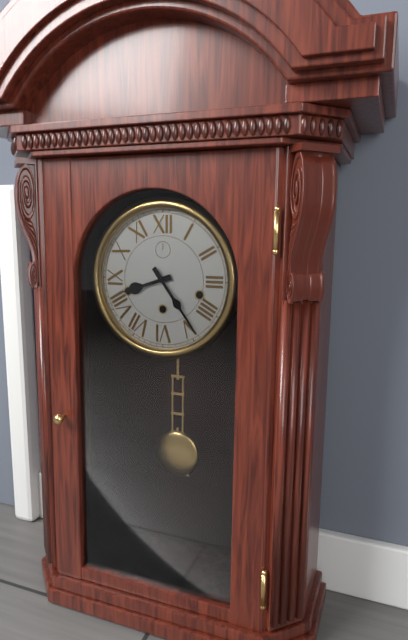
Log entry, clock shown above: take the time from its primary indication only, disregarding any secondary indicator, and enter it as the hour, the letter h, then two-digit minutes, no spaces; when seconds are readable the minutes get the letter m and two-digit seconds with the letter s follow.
8h24
